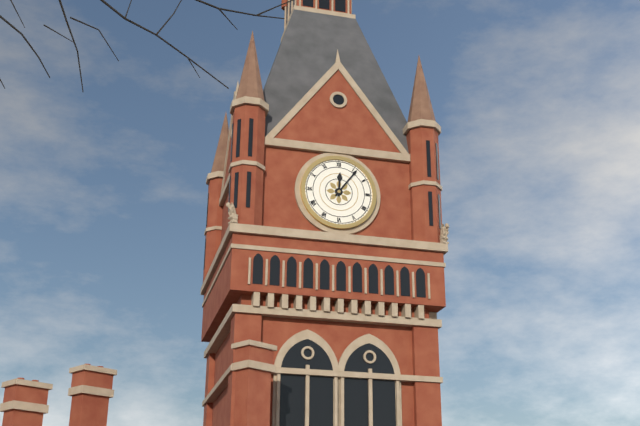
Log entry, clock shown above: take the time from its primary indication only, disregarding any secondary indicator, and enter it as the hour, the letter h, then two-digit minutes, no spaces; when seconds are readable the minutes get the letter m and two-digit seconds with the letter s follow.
12h06
